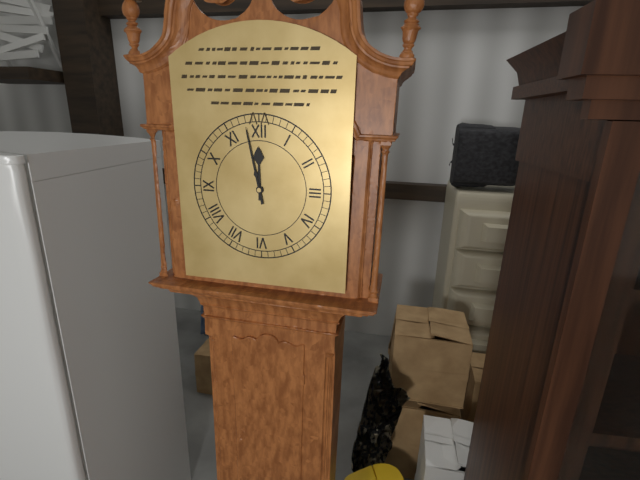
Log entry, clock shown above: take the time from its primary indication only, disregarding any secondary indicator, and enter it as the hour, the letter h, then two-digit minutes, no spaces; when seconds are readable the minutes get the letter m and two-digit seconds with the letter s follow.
11h58
